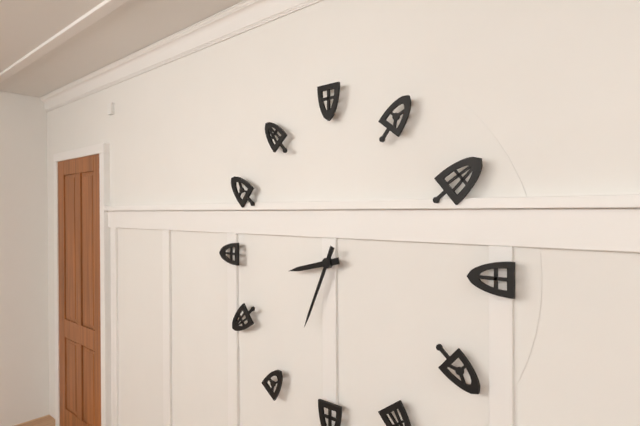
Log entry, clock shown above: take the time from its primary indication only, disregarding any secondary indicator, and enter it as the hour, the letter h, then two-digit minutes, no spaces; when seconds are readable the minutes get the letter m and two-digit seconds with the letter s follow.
8h34
